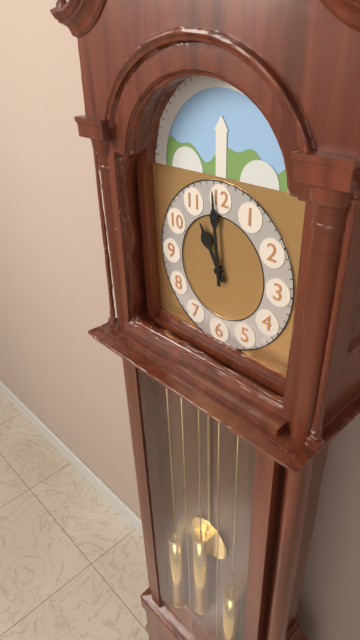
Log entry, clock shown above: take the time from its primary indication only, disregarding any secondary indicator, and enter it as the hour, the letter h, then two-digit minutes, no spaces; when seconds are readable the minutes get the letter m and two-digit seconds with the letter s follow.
10h59
